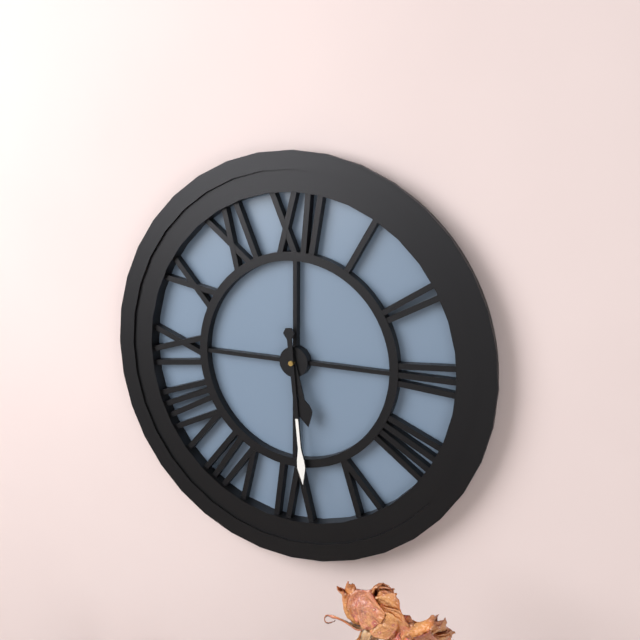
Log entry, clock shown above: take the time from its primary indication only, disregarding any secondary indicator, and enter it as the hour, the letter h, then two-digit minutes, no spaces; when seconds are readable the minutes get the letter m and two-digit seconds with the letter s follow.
5h29
